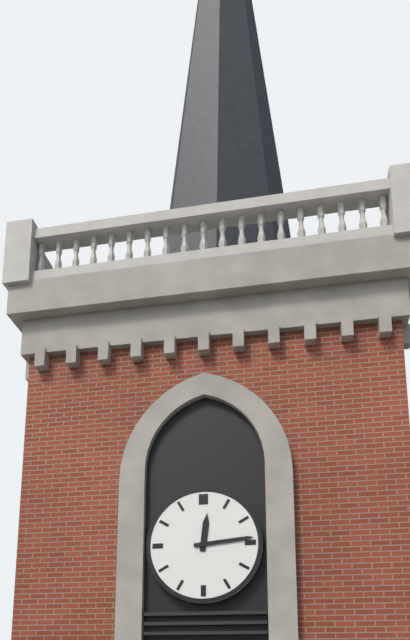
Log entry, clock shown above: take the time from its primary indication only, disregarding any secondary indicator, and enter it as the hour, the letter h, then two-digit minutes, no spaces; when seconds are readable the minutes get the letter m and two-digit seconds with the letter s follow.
12h14
